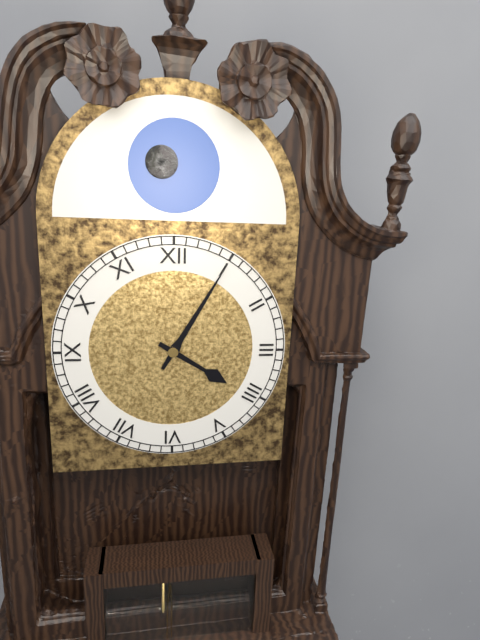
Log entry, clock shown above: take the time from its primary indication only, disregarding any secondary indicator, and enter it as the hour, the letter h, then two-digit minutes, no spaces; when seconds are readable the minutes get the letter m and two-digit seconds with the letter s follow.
4h05
